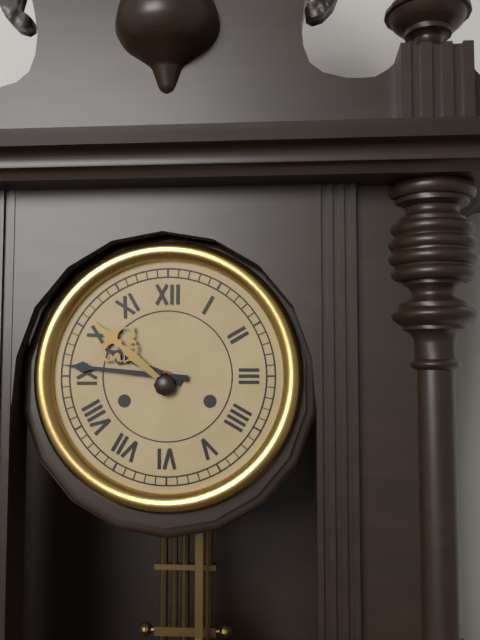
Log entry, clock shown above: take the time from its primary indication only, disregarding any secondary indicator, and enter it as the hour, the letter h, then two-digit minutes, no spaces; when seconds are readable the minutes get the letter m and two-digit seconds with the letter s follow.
9h46
